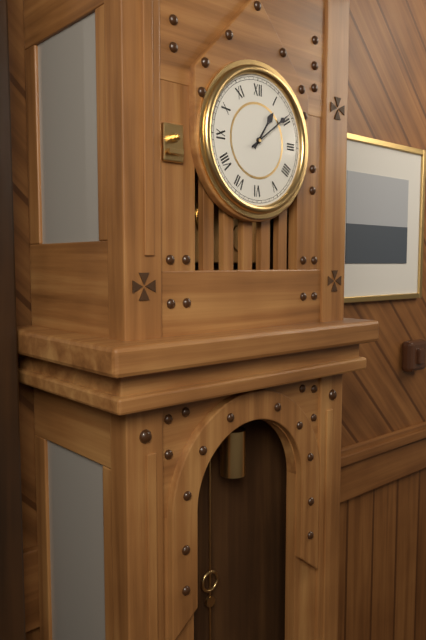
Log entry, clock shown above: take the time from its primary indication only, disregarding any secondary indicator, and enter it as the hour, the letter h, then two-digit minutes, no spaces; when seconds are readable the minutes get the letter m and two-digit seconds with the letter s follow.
1h09
